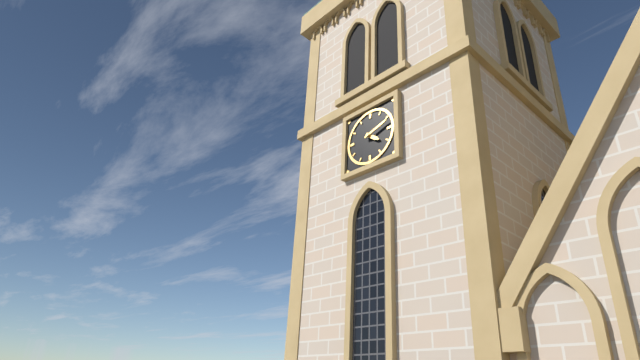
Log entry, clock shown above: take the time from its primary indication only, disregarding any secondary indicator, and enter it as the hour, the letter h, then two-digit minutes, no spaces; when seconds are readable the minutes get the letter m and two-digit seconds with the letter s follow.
4h12
